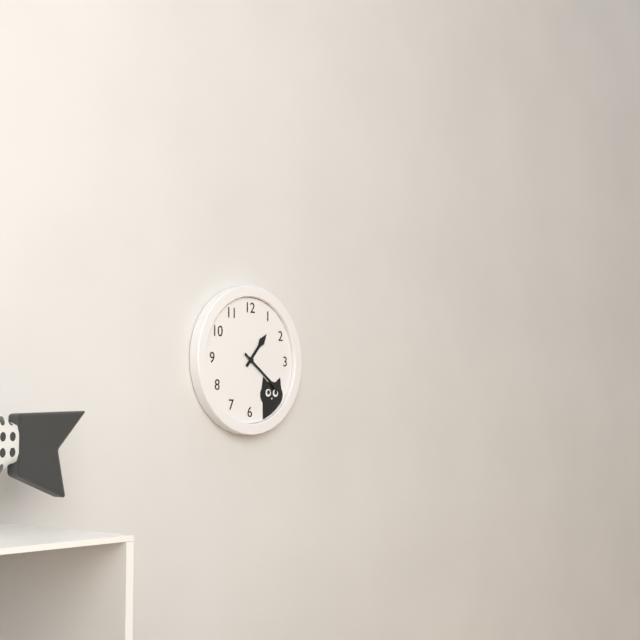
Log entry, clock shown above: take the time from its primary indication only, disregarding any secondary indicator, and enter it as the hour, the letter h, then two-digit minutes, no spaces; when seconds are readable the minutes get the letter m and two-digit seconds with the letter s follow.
1h21
